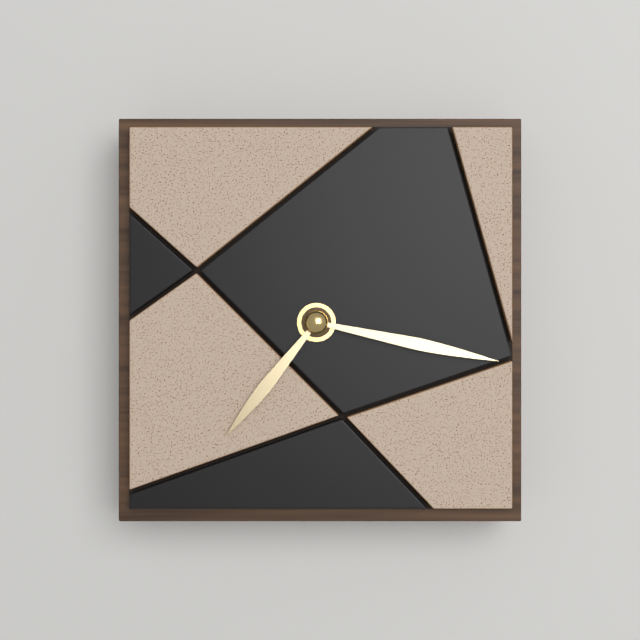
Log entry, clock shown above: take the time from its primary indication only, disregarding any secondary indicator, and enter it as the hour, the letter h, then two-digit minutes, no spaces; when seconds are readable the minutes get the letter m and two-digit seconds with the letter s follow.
7h17
